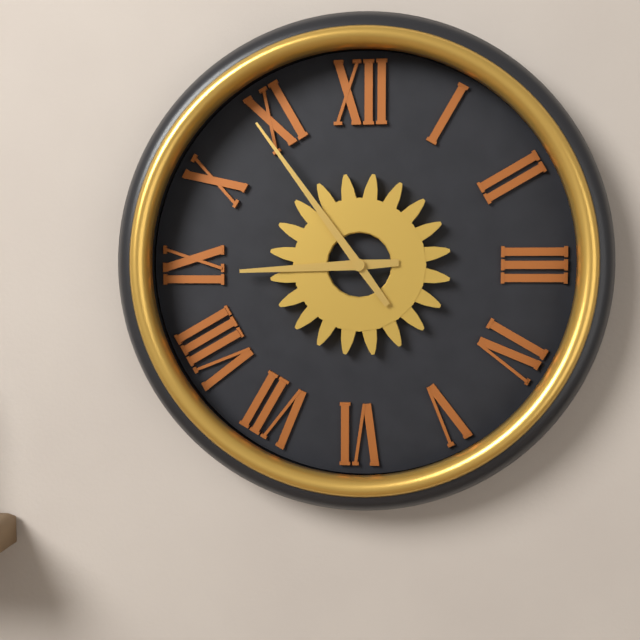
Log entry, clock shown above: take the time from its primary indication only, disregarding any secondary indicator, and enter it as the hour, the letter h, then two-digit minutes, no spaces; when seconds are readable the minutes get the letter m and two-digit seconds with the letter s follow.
8h54
